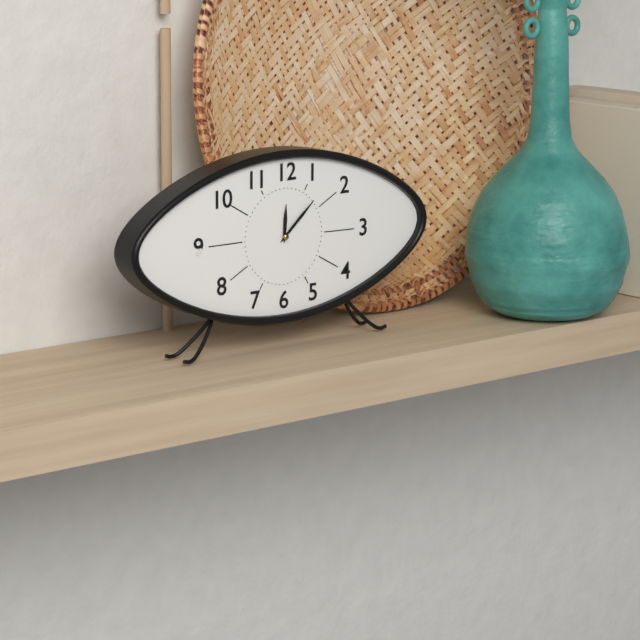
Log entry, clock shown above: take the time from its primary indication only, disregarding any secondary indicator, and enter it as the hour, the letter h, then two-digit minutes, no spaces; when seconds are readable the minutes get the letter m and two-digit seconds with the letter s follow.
12h08
